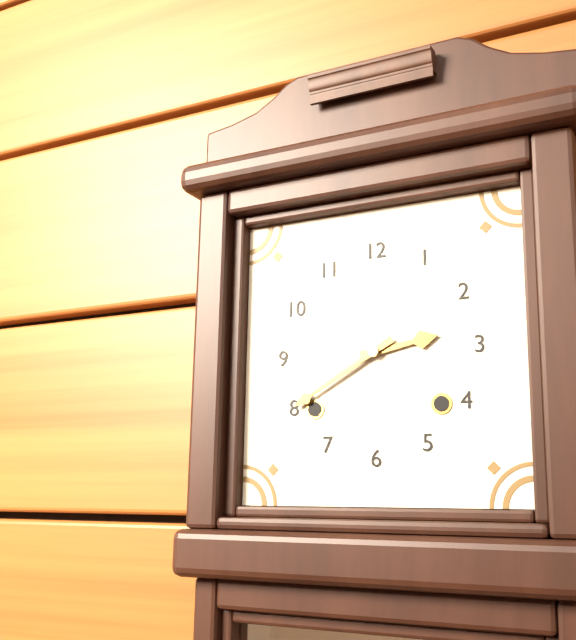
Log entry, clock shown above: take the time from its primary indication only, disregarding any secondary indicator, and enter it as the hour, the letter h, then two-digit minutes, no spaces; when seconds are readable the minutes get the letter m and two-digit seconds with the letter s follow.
2h40
